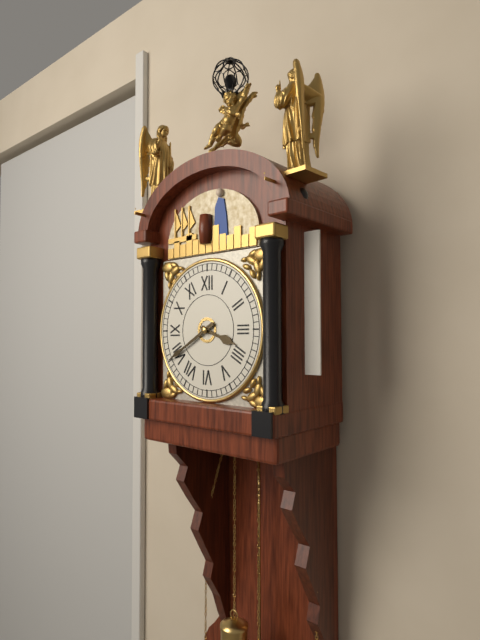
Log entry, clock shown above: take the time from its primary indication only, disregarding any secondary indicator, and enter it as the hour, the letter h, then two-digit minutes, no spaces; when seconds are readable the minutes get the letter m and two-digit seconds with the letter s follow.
3h40
